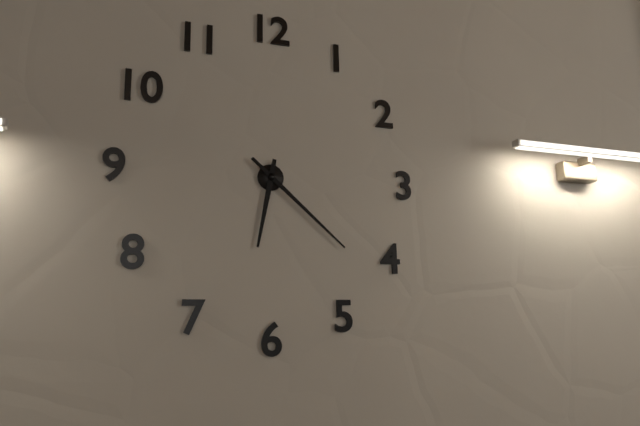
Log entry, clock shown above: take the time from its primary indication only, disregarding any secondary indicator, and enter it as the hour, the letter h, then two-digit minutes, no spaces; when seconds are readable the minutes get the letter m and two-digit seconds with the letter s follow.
6h22
